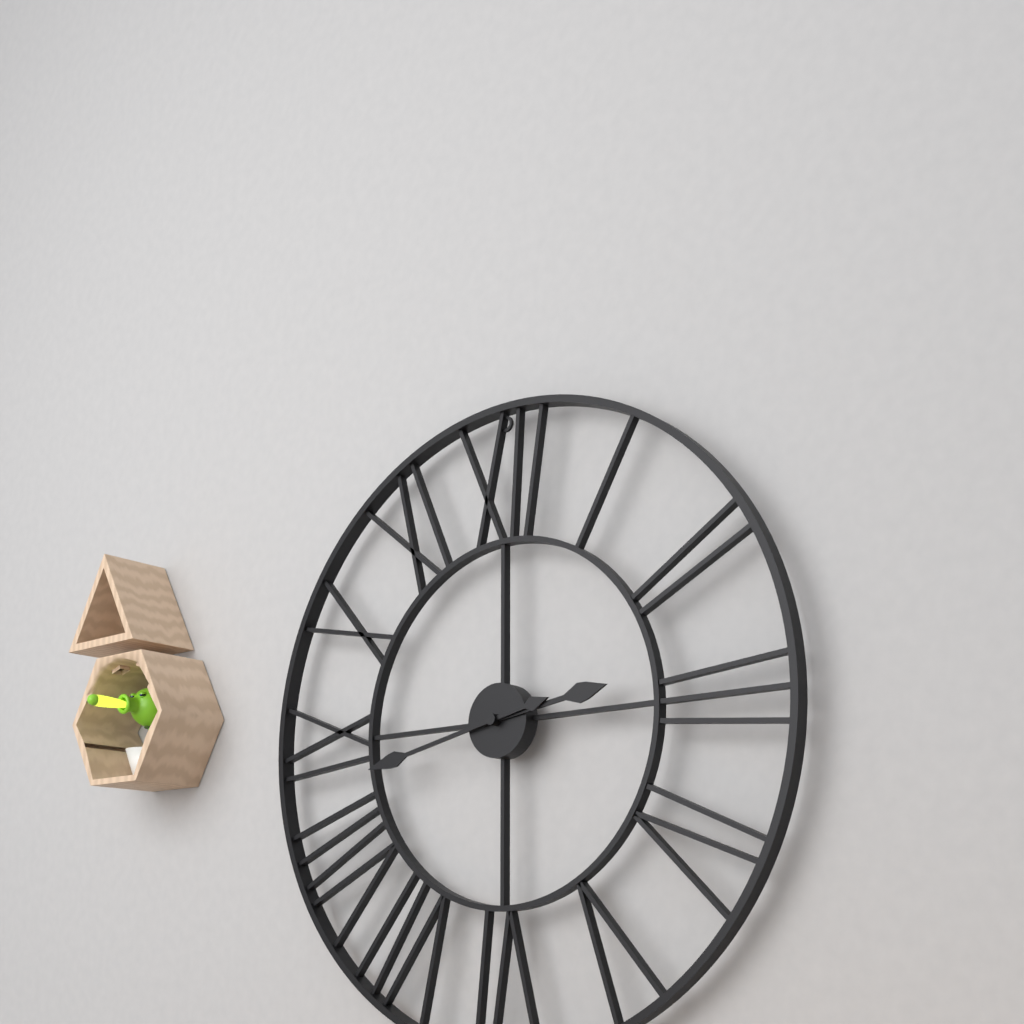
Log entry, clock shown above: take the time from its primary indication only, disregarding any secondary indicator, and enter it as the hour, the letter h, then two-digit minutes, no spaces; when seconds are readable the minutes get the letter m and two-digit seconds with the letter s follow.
2h43
